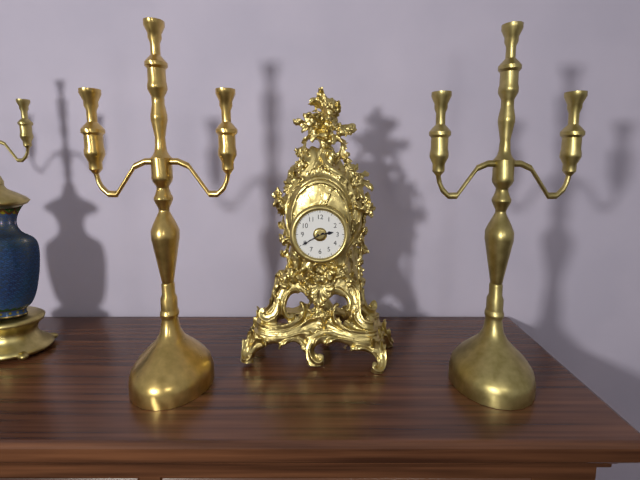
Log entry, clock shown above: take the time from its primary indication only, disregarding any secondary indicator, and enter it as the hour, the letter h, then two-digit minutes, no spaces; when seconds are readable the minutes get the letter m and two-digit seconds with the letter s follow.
2h40
